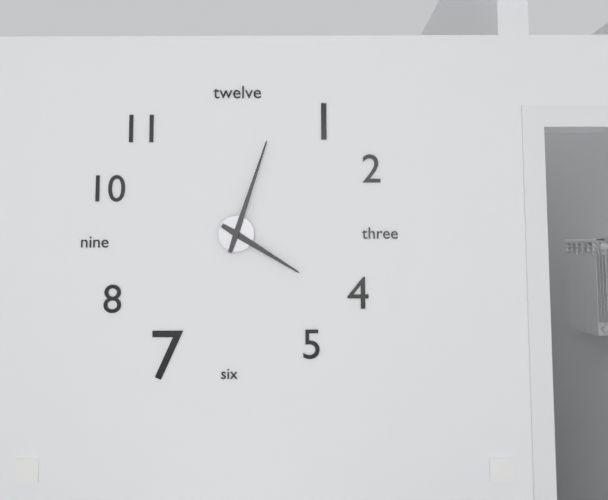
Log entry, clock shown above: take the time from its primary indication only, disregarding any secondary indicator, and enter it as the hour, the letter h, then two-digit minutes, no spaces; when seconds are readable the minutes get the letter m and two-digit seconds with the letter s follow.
4h03
